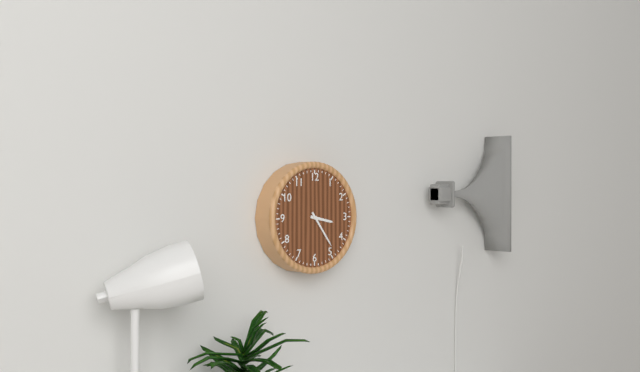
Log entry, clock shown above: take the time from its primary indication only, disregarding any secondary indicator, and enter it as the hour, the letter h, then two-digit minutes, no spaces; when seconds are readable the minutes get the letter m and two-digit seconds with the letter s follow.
3h24
